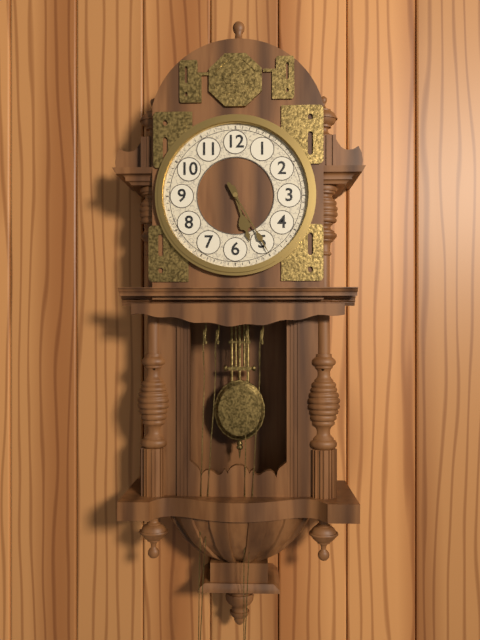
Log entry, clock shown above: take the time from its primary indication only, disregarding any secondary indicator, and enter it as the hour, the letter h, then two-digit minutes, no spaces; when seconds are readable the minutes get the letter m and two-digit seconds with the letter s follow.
5h25
